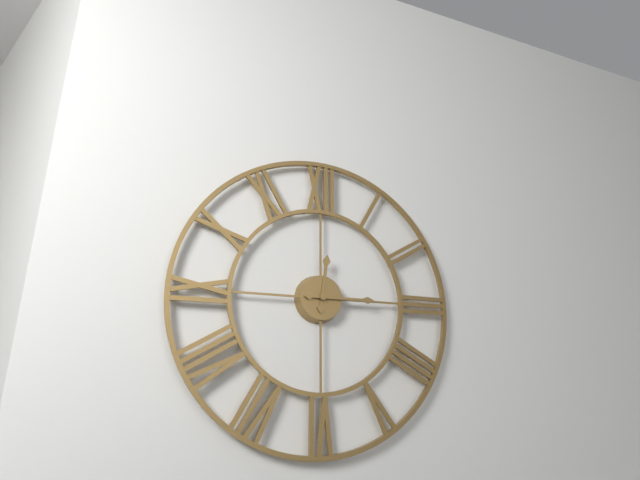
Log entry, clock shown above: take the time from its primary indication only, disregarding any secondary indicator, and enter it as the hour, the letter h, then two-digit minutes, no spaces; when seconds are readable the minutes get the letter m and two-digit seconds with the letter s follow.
12h15
